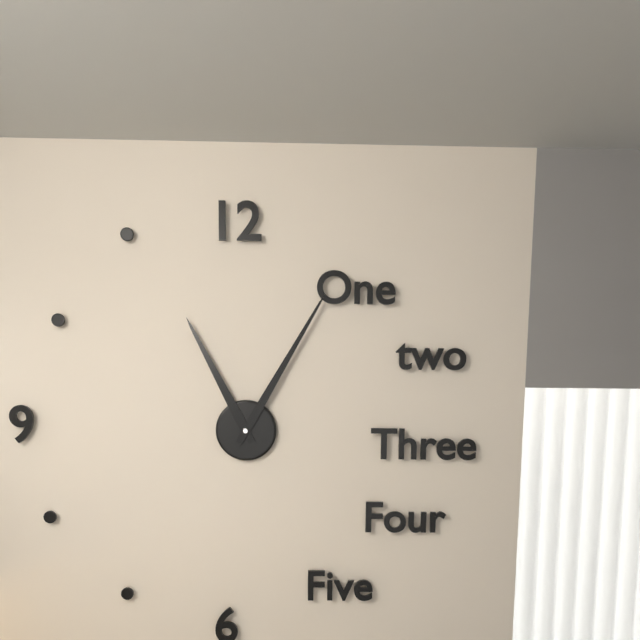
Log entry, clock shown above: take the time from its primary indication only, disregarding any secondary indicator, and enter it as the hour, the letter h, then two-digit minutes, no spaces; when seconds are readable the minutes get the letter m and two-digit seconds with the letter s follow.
11h05
